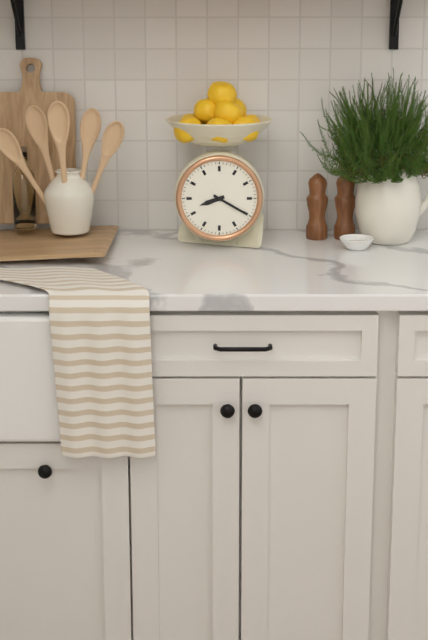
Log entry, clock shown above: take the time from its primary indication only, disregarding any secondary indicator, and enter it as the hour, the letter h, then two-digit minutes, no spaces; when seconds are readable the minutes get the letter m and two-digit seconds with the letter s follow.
8h20
